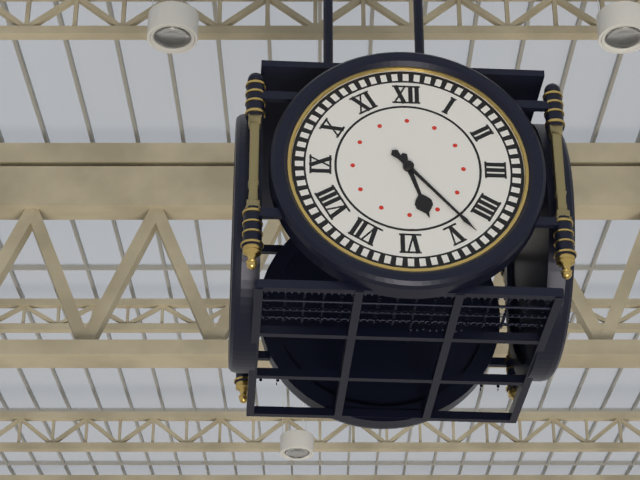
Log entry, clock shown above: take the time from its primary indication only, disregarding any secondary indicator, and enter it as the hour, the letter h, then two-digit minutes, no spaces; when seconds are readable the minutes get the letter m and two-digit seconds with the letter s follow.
5h23
